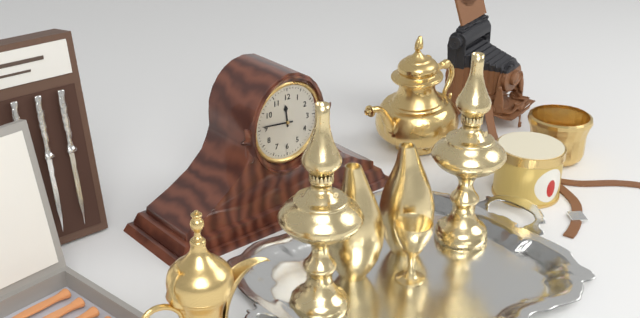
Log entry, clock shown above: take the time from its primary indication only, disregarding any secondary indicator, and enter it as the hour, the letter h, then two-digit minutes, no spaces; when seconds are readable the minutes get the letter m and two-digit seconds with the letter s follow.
11h46
